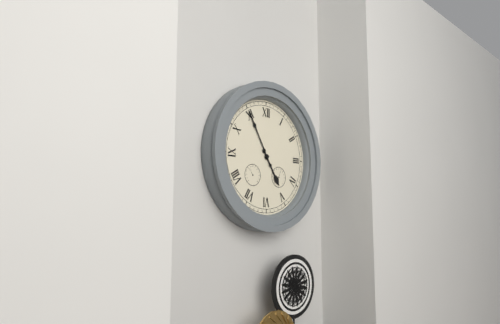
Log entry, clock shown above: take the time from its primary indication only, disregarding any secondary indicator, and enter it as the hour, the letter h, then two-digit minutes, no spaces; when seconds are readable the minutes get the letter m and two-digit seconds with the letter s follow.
4h55
